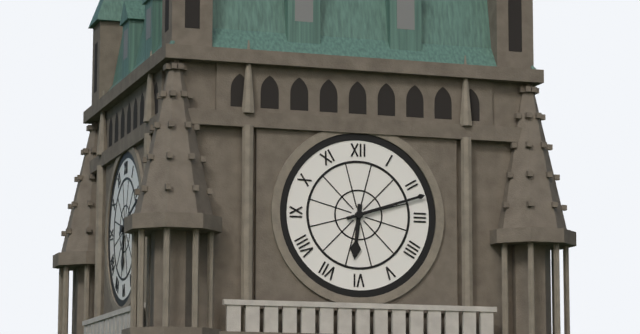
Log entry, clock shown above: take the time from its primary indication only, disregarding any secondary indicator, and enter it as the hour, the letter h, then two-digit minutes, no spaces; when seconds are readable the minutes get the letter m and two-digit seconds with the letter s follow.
6h12
